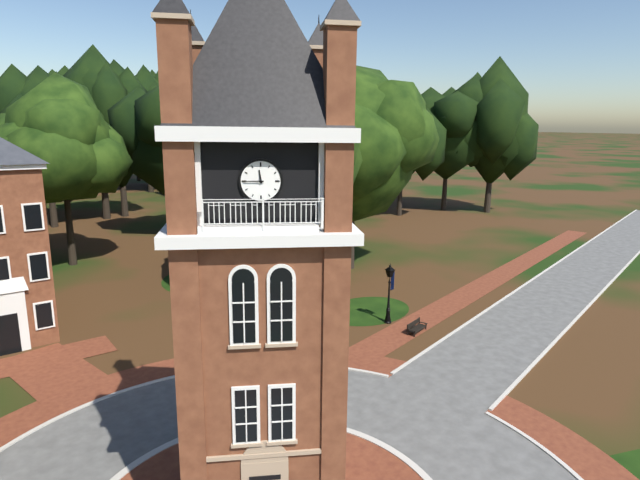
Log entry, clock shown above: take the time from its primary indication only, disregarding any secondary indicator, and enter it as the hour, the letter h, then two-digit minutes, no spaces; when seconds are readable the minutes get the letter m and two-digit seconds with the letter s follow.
11h45
